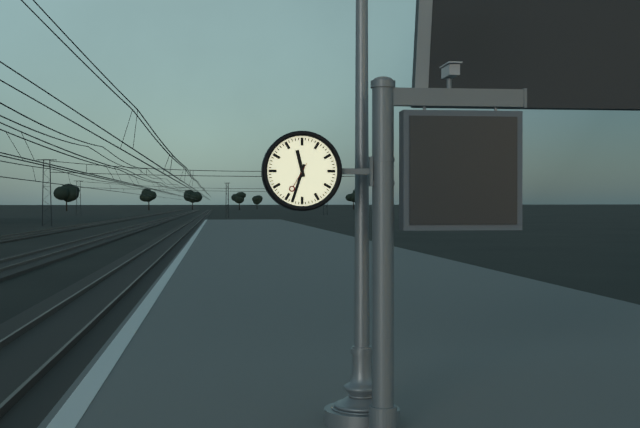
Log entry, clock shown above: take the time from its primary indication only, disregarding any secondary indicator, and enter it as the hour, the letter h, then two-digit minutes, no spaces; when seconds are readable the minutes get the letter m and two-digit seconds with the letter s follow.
11h33
